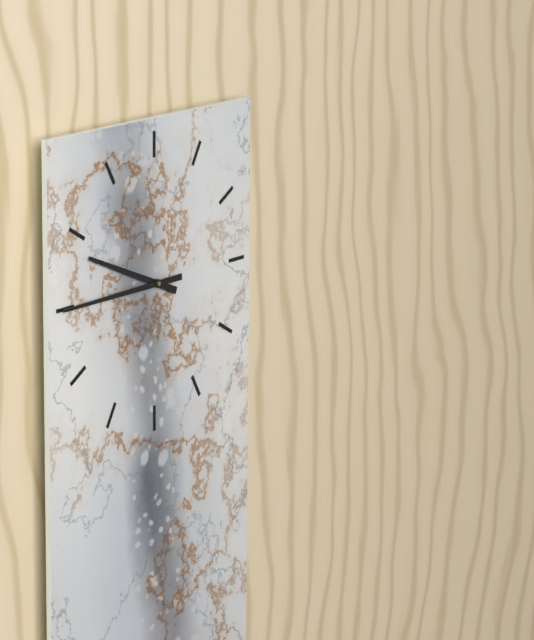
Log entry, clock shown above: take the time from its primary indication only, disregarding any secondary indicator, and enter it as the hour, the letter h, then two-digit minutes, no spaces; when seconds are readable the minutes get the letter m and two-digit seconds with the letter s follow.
9h45
